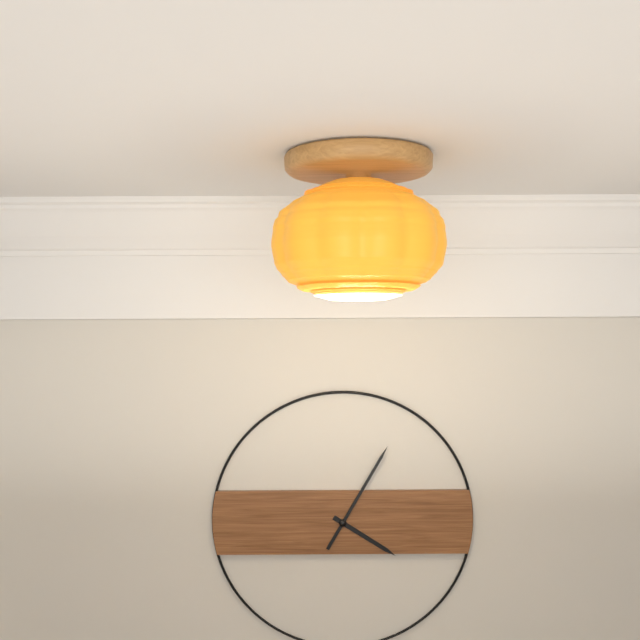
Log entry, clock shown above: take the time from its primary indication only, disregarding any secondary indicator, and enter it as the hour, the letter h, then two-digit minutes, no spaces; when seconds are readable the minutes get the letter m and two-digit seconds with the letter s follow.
4h05
